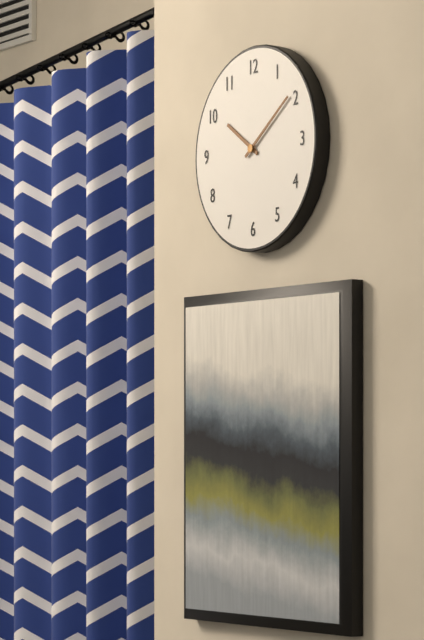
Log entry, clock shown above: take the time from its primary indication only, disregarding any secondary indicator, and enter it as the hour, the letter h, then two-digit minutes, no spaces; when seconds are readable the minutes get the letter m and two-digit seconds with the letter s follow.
10h09
